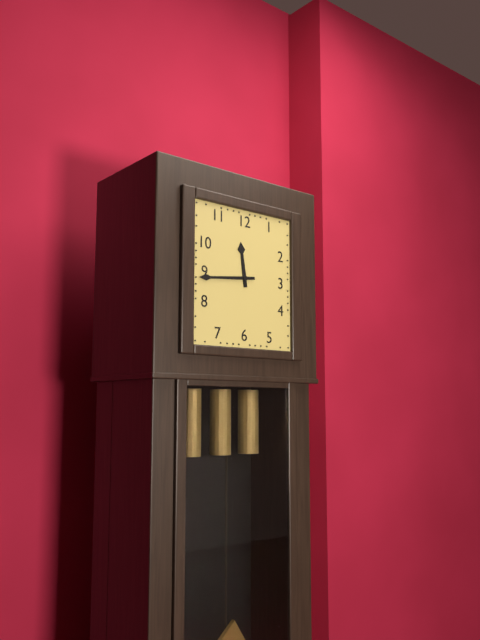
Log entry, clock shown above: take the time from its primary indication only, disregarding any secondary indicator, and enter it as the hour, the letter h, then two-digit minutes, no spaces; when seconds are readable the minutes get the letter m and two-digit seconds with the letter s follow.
11h44
